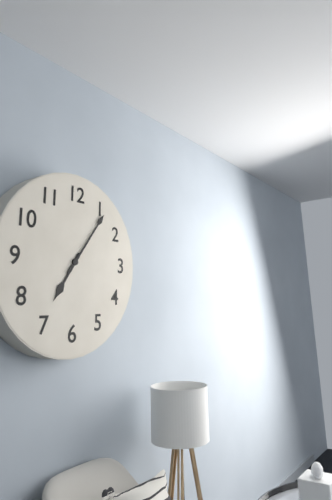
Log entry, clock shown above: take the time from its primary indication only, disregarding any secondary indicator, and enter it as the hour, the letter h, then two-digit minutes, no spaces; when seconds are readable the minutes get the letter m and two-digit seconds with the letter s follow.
7h06
